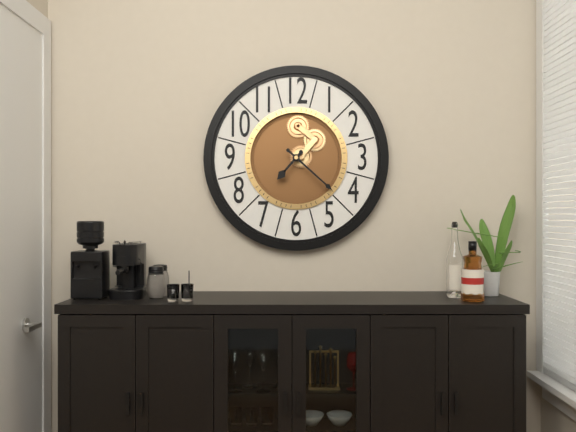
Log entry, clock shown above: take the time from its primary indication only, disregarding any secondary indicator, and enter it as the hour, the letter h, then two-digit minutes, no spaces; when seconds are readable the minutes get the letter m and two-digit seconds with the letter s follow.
7h22
